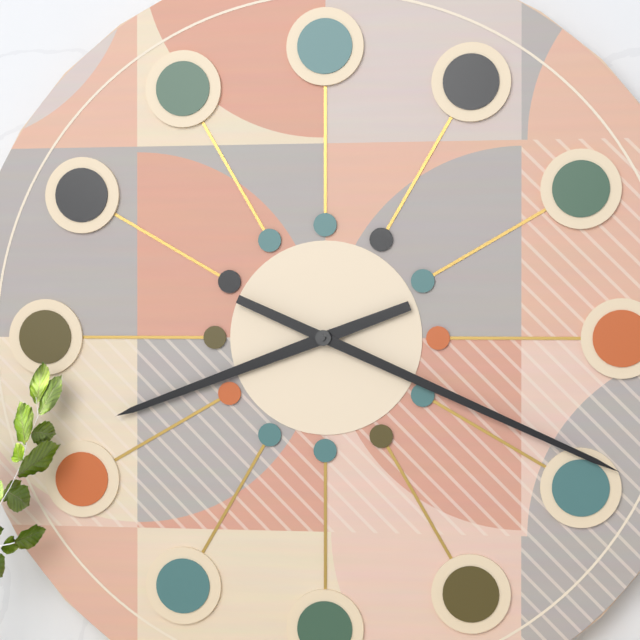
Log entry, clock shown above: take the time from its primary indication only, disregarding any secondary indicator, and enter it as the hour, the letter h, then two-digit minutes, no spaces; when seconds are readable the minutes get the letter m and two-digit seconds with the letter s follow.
8h19
